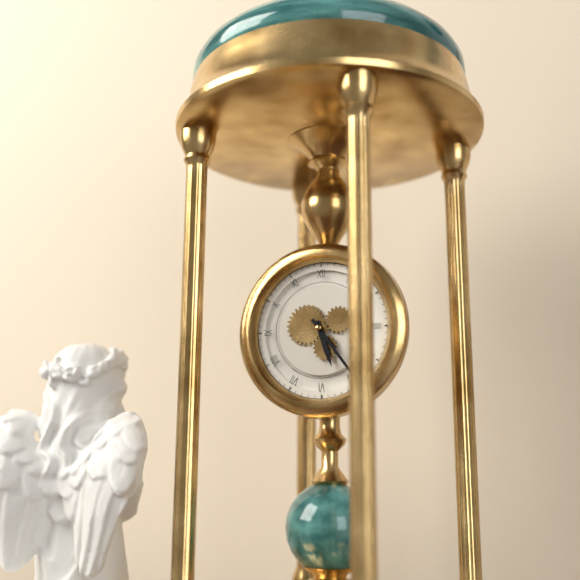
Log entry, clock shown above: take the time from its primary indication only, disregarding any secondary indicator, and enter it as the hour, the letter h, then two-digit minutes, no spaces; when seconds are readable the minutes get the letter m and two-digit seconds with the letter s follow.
5h24
